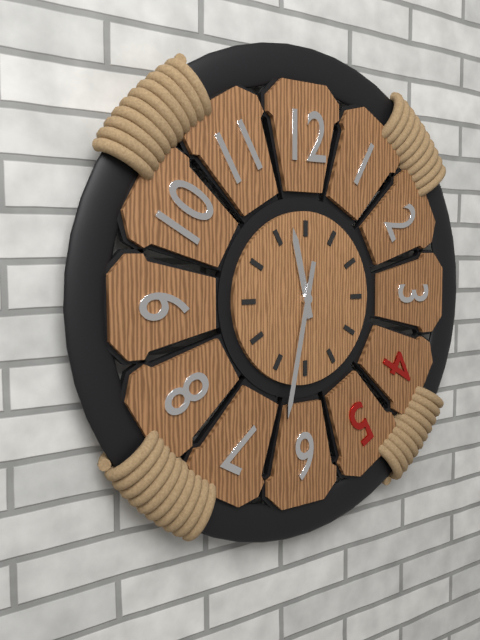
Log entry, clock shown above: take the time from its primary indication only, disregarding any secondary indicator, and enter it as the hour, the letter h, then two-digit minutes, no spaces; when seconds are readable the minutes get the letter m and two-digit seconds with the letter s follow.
11h32
